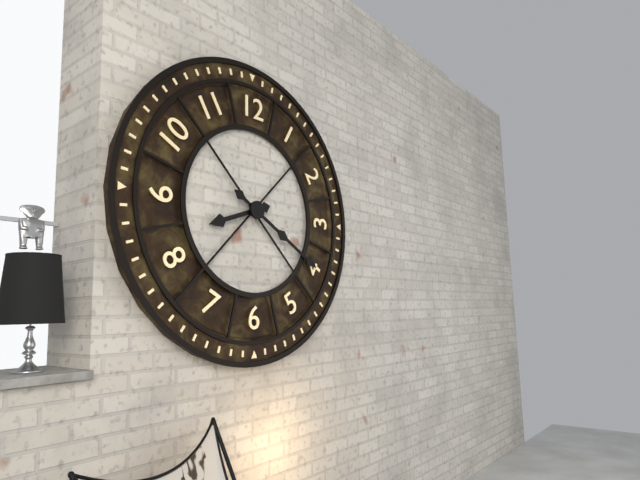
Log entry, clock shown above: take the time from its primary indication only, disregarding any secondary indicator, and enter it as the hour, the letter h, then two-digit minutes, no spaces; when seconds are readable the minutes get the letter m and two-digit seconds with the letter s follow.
8h20
